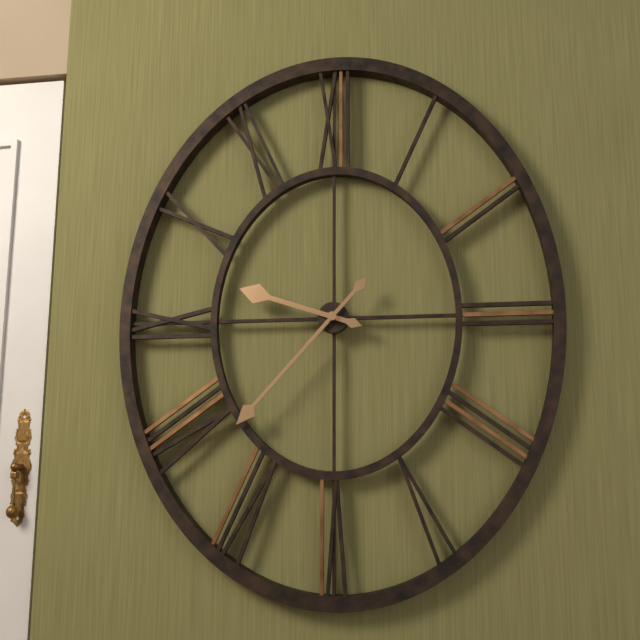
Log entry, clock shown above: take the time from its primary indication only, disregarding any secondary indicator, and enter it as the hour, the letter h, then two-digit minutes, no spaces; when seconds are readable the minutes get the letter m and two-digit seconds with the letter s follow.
9h37
